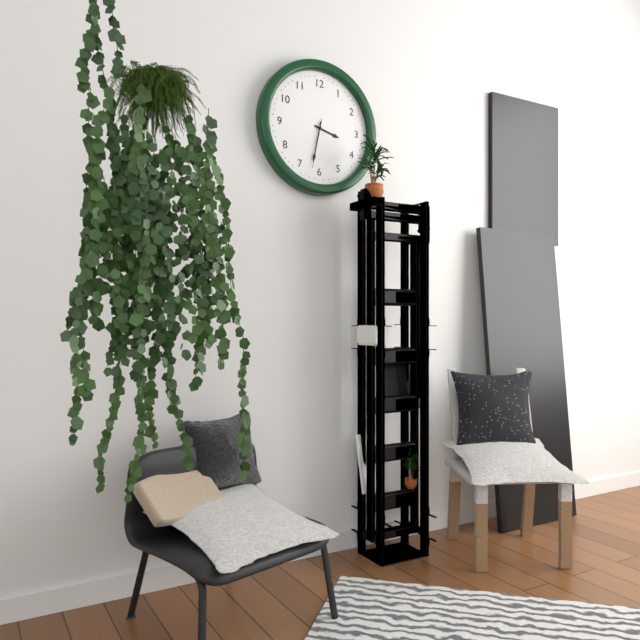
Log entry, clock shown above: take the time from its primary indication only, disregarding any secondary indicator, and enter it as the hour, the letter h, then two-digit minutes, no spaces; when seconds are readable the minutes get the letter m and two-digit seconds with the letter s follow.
3h32
